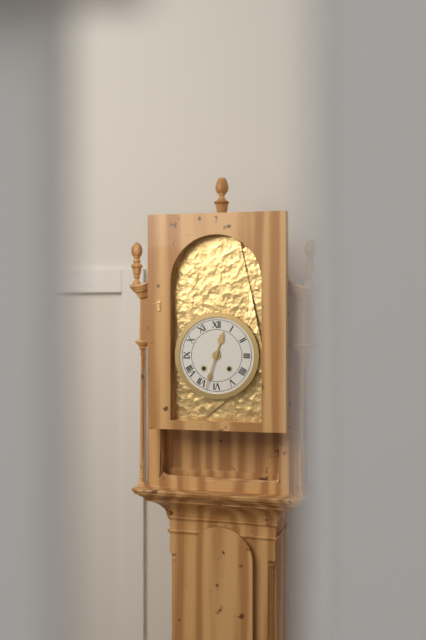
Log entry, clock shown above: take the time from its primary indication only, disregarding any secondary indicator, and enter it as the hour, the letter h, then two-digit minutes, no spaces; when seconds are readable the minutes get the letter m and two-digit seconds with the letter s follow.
12h33
